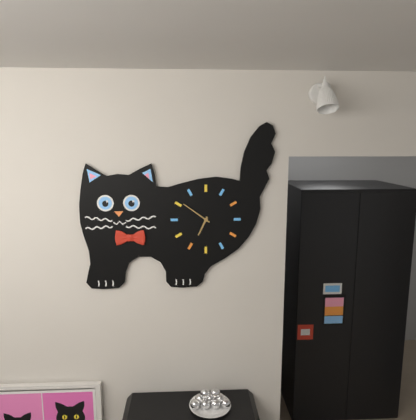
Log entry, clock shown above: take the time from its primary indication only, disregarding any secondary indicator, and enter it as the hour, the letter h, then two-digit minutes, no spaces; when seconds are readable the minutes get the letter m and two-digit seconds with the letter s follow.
6h51
